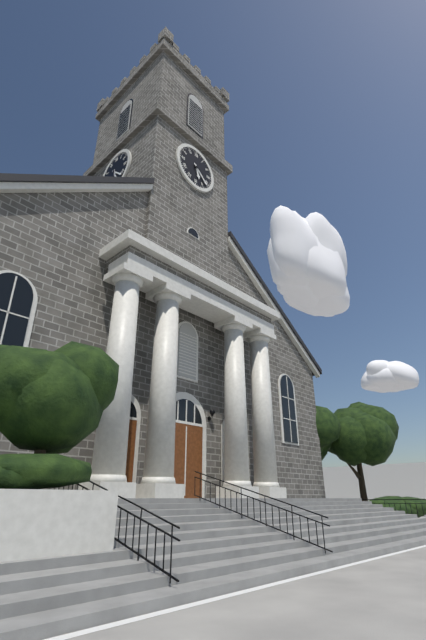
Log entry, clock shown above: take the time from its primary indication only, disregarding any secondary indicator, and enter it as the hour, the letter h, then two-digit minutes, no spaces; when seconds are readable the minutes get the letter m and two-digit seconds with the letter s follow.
5h22
